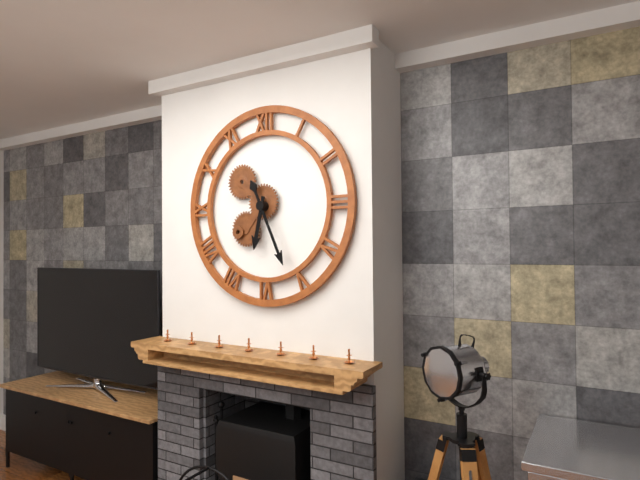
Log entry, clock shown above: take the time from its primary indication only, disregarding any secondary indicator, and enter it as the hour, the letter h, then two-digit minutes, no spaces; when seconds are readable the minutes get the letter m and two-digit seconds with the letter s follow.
6h26
